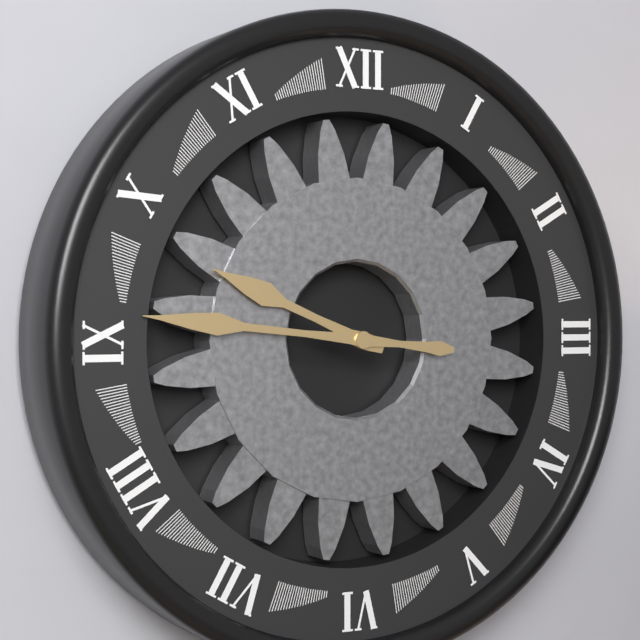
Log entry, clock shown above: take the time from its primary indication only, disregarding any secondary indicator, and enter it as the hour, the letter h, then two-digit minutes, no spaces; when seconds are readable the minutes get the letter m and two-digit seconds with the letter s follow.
9h46
